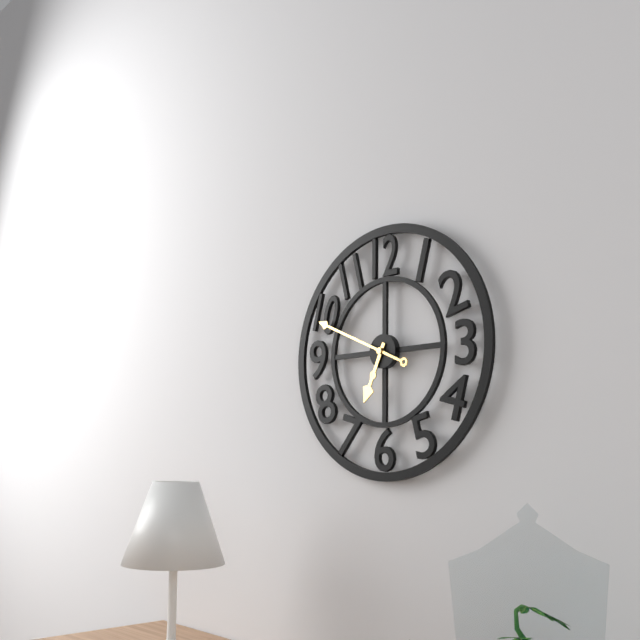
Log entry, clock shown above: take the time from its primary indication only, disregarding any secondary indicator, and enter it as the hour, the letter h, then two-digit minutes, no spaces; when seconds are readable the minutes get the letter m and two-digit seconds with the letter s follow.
6h49
